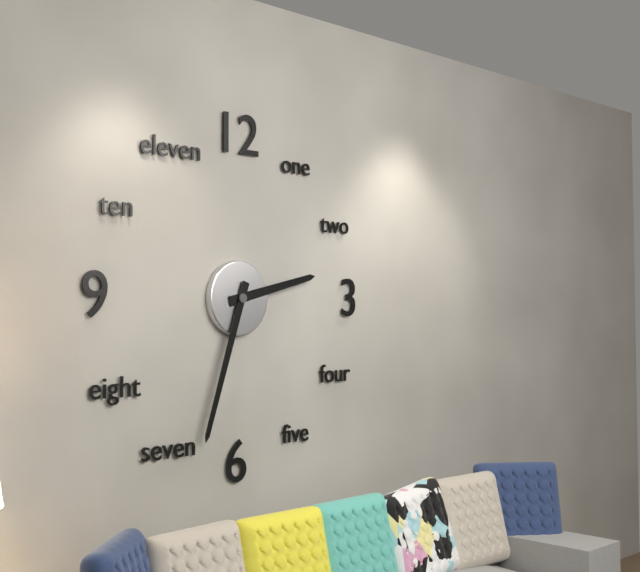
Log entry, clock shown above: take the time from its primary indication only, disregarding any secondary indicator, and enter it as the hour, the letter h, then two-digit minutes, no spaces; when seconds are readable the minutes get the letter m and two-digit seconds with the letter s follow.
2h33
